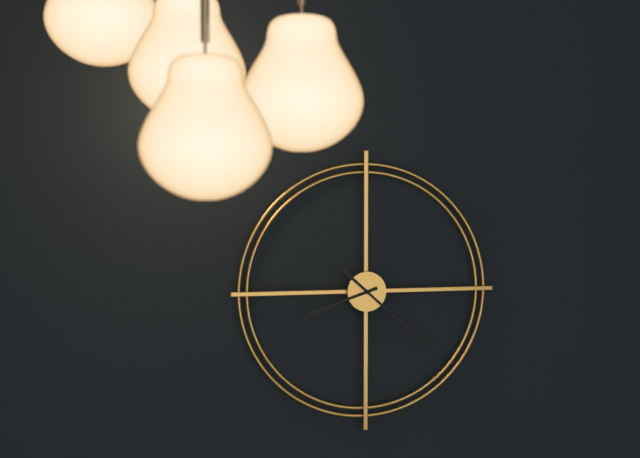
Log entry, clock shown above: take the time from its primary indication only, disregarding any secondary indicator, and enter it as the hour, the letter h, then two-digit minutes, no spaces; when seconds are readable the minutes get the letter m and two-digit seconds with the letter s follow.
8h22
